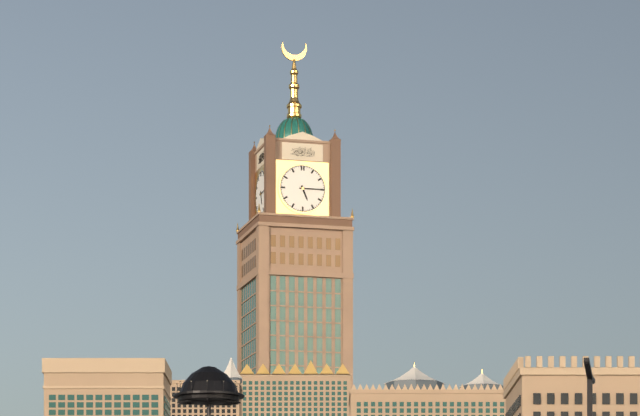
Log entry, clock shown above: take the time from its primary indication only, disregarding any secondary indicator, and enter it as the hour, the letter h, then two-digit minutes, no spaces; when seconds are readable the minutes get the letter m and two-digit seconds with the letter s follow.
5h15
